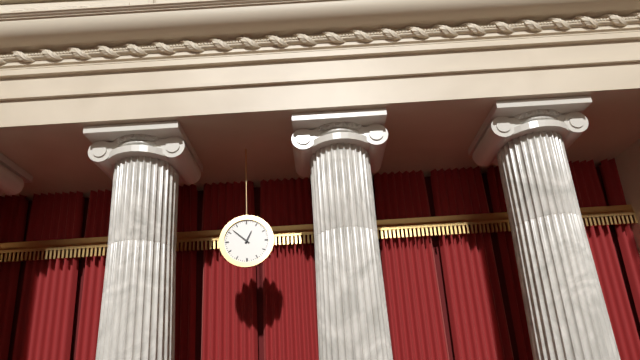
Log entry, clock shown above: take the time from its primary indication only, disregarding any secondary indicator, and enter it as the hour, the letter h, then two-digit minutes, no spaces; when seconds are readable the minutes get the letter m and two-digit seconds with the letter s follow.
12h52
